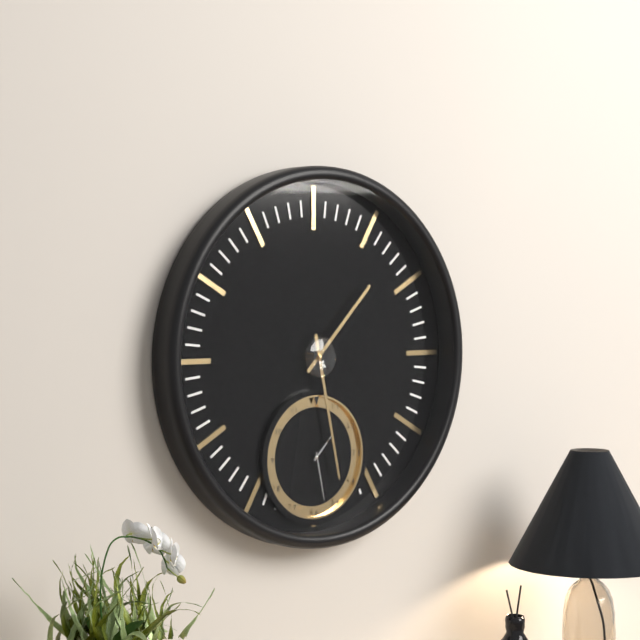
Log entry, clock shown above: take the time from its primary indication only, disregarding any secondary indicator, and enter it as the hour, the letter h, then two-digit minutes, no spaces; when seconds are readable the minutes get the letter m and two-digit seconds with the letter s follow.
1h28
